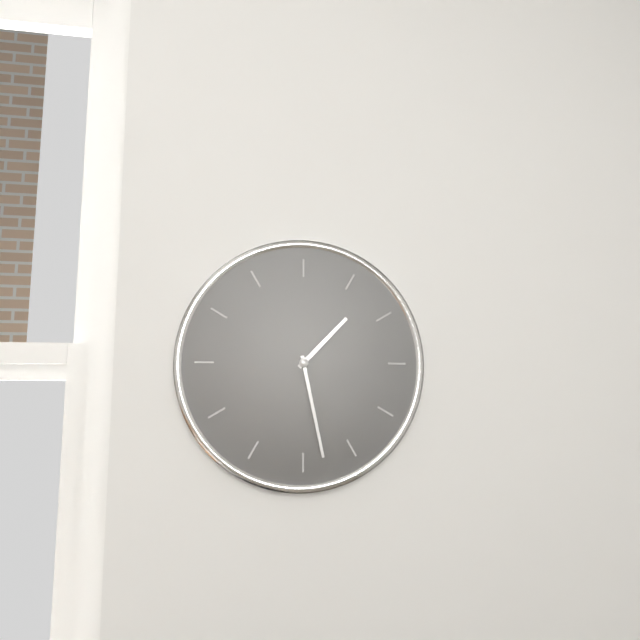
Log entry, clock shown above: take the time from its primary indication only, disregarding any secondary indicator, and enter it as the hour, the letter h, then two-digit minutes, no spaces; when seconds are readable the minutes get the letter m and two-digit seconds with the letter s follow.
1h28
